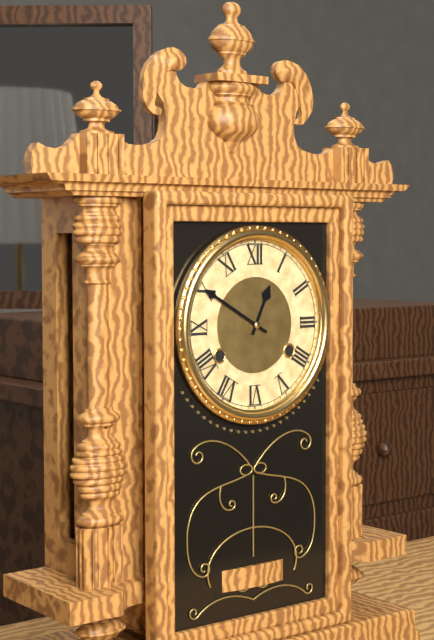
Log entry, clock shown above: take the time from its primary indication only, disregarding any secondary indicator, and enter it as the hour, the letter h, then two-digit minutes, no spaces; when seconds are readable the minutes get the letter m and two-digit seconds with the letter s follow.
12h50
